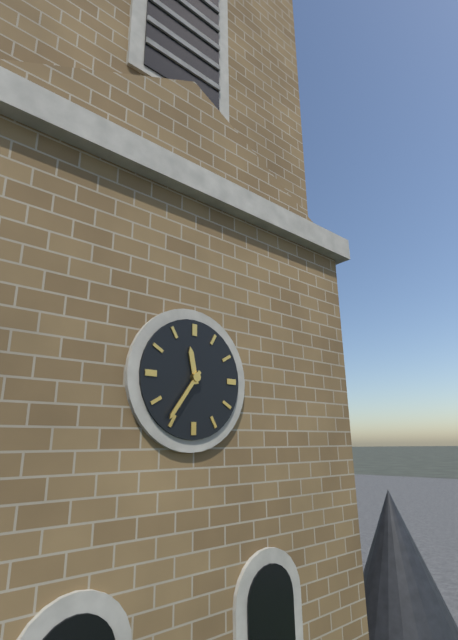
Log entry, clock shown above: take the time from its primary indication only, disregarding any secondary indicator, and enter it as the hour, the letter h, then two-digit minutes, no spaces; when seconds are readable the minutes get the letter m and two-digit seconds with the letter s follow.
11h36
